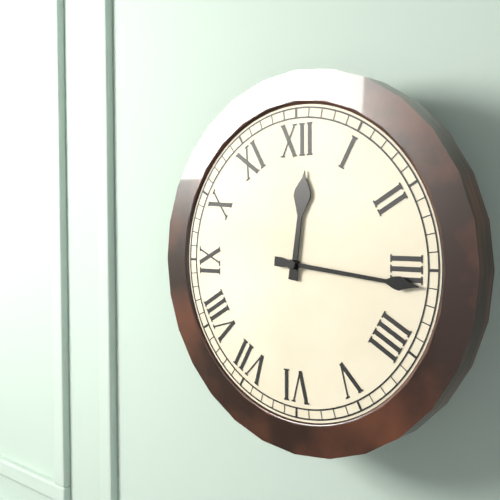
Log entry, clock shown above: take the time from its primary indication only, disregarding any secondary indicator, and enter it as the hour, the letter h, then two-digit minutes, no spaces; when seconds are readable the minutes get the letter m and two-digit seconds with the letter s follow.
12h16
